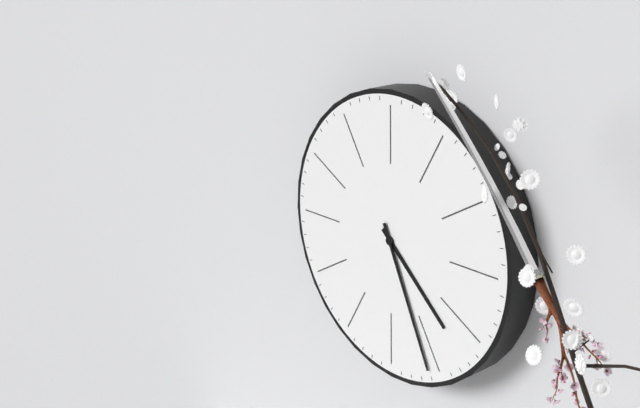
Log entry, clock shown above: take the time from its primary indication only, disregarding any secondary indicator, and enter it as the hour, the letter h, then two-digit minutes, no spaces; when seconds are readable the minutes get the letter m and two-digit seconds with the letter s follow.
4h26
